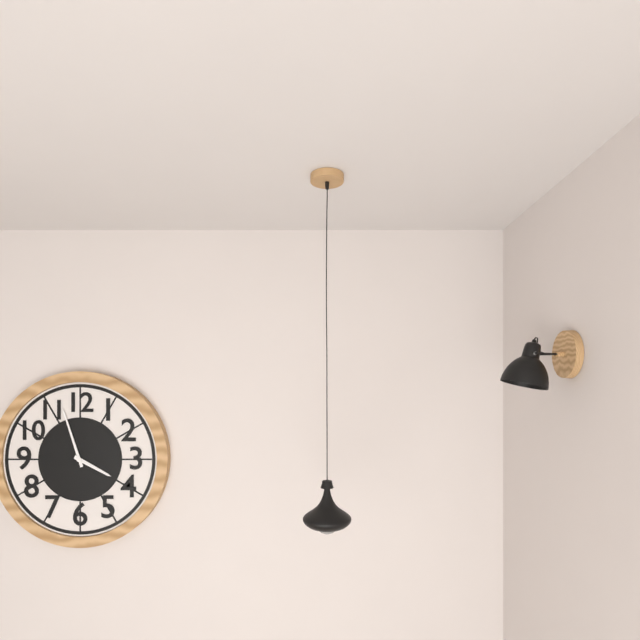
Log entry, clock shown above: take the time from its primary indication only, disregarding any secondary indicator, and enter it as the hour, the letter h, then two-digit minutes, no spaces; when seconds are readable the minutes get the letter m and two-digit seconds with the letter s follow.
3h57
